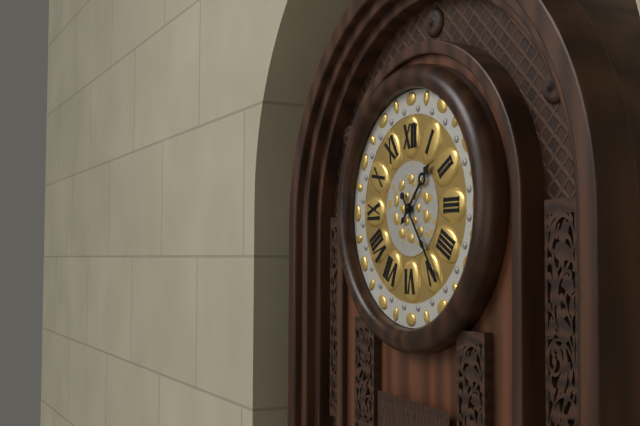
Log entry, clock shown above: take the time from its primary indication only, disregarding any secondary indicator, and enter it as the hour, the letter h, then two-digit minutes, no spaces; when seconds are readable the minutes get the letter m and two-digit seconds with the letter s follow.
1h24
